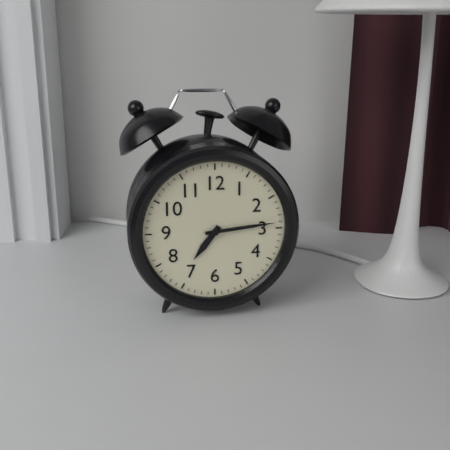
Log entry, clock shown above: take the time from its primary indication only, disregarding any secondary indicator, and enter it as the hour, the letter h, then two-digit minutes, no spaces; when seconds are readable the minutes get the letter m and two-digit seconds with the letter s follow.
7h14
